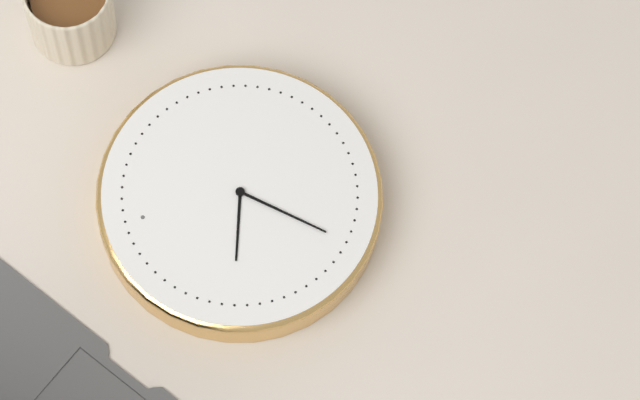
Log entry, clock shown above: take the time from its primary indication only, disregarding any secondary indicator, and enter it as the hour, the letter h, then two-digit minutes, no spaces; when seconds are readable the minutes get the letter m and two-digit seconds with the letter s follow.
9h37
